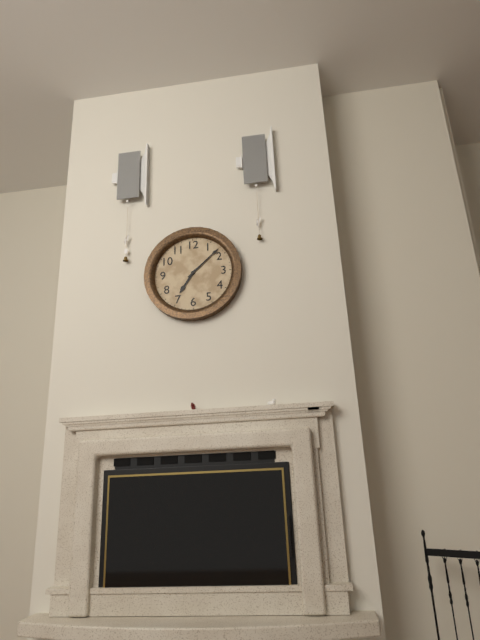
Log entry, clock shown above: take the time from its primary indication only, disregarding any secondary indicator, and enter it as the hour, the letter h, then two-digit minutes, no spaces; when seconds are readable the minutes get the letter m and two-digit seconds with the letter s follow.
7h08
